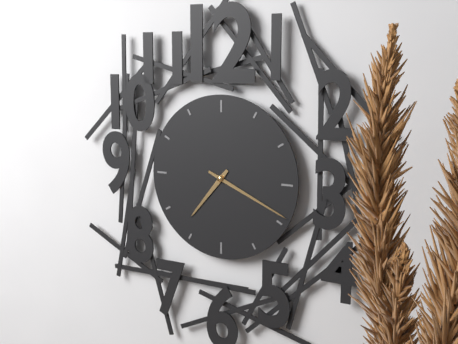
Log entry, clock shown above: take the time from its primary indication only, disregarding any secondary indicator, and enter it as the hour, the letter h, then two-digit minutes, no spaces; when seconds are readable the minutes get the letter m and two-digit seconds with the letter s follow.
7h19
